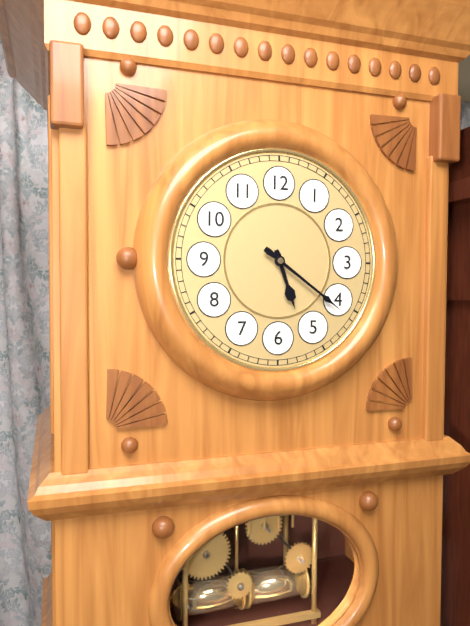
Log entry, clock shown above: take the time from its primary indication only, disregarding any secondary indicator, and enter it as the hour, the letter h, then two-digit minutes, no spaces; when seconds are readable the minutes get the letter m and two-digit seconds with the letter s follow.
5h21
